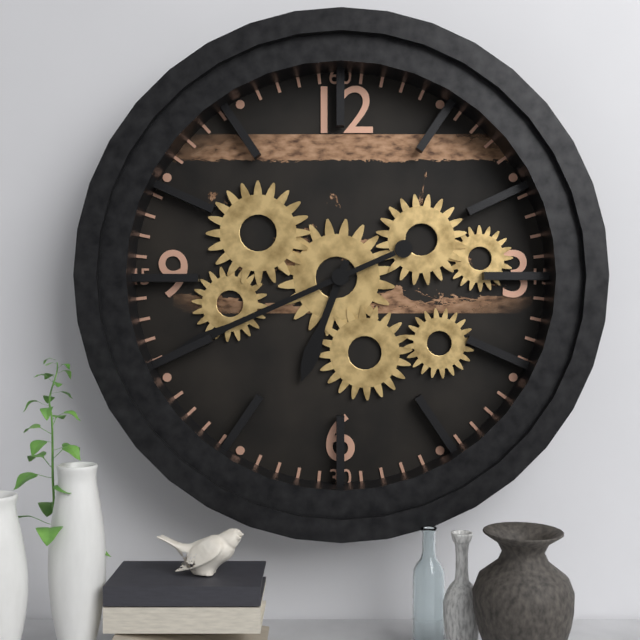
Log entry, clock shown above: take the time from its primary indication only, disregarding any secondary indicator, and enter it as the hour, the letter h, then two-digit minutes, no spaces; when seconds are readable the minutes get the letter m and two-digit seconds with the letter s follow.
6h41
